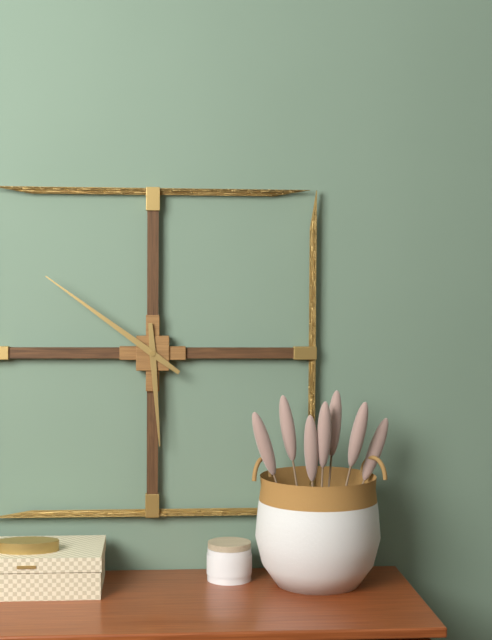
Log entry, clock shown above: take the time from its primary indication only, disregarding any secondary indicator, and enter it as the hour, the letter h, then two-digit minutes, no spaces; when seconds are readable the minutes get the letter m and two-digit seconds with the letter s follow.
5h51
